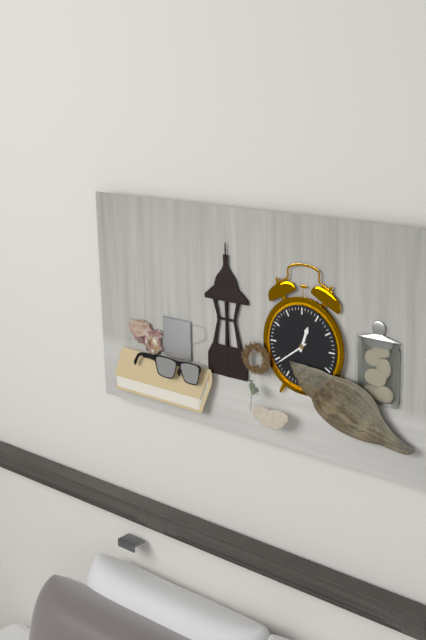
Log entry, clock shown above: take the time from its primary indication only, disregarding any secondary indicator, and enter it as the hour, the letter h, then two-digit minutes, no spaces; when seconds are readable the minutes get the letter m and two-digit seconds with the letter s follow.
12h39
